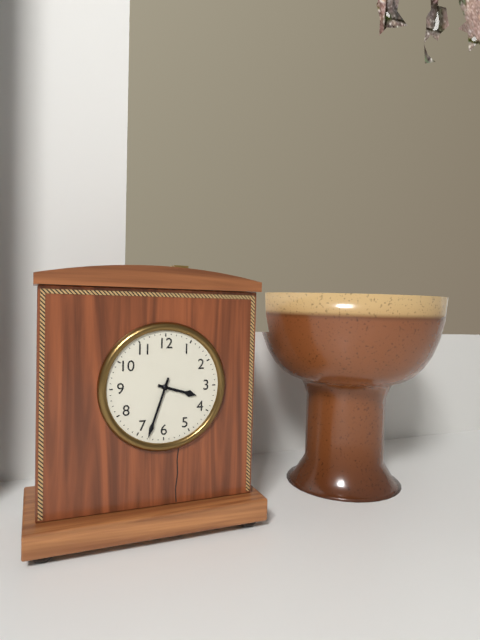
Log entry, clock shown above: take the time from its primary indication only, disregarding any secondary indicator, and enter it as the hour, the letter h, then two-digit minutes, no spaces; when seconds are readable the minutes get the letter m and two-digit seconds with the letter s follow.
3h33
